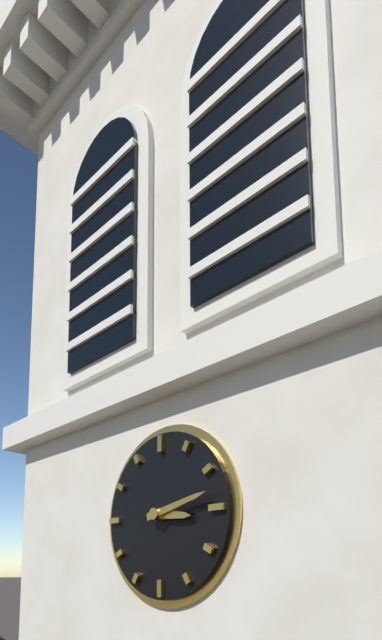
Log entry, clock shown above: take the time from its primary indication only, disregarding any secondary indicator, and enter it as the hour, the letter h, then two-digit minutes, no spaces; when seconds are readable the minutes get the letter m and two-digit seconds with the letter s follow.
3h13
